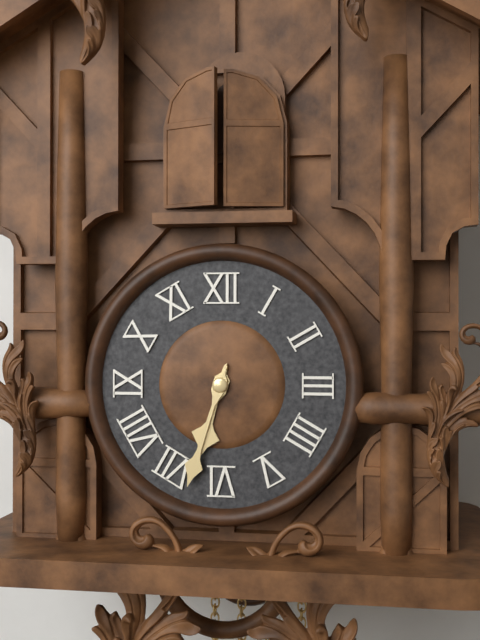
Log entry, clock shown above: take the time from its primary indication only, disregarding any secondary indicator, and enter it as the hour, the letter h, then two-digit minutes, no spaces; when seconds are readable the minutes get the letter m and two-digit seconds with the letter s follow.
6h33
